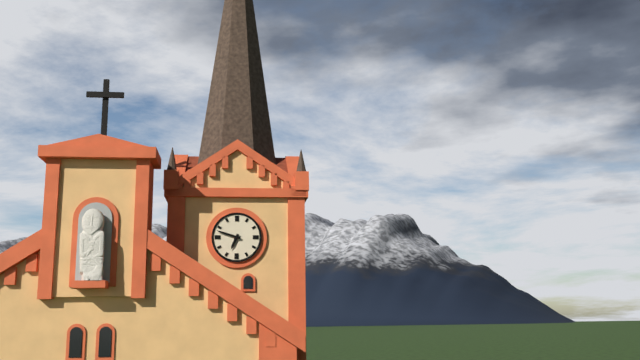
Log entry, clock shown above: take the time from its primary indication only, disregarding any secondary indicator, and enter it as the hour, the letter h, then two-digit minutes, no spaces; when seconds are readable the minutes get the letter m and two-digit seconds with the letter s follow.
6h48
